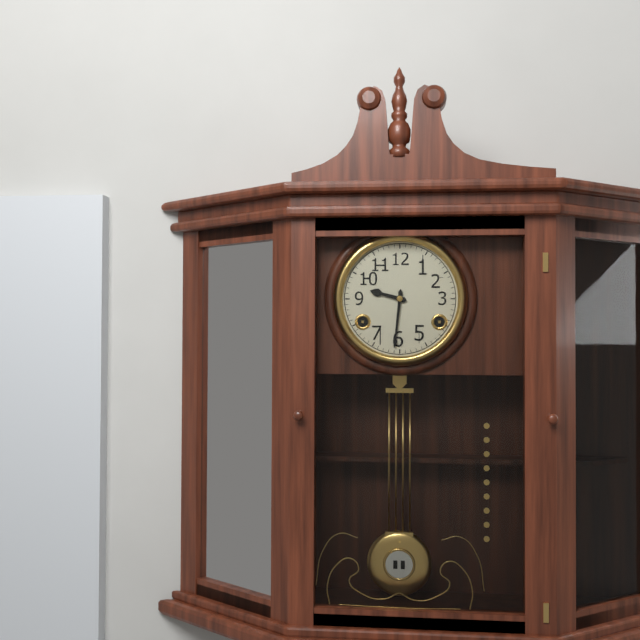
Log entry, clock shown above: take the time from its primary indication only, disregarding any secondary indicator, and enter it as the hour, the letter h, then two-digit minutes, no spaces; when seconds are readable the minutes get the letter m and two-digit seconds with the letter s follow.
9h31
